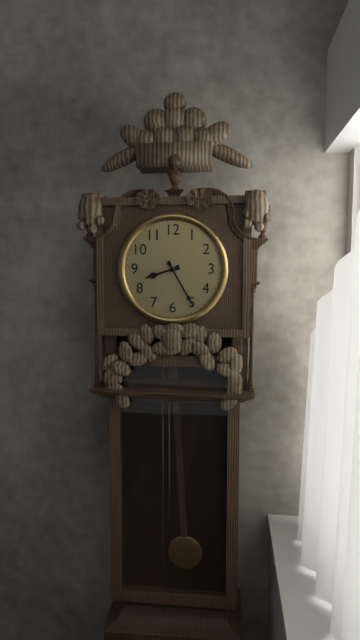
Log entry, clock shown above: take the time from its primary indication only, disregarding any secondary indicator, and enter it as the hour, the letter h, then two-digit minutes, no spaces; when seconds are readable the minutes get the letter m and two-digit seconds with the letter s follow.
8h25
